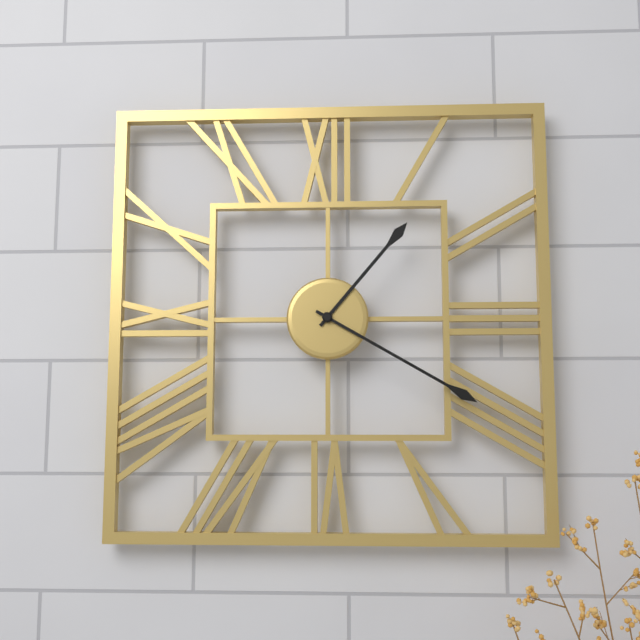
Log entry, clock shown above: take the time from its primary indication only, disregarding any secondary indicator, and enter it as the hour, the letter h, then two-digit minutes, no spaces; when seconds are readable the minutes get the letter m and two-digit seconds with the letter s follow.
1h20
